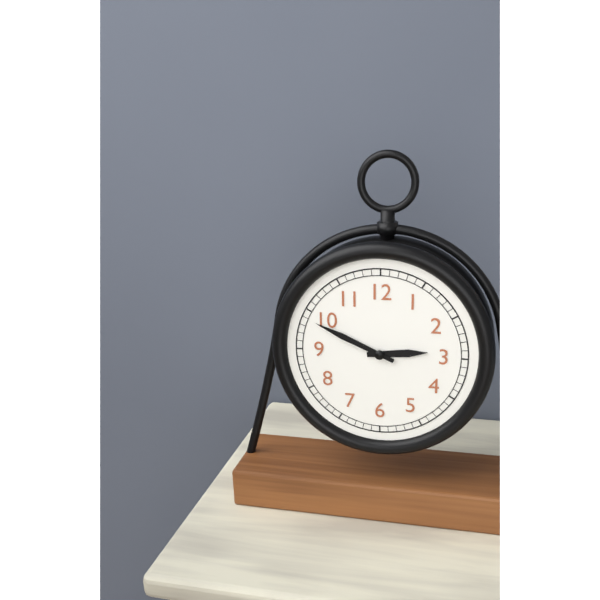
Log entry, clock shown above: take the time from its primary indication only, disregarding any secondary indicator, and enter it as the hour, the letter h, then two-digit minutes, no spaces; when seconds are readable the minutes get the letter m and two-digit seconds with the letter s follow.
2h49
